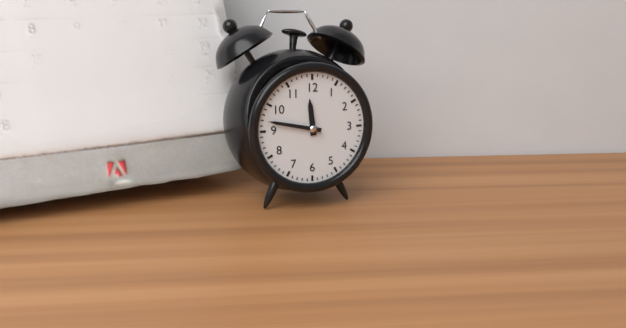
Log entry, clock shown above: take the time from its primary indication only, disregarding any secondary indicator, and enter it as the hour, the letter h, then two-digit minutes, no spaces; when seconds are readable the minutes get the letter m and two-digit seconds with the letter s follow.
11h47
